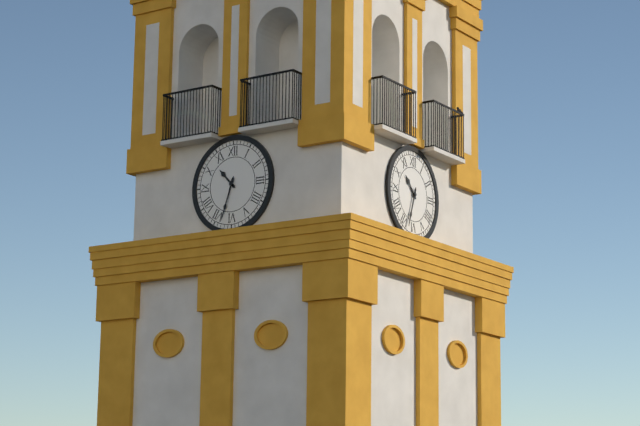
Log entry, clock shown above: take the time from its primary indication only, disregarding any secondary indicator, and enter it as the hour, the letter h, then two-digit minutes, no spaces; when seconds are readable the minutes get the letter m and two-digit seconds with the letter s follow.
10h33
